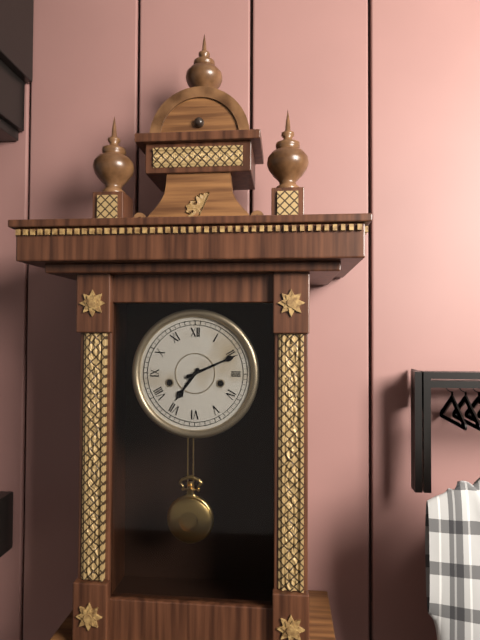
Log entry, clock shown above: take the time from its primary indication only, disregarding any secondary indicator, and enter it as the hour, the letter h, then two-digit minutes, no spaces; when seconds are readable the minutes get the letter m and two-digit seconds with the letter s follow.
7h11
